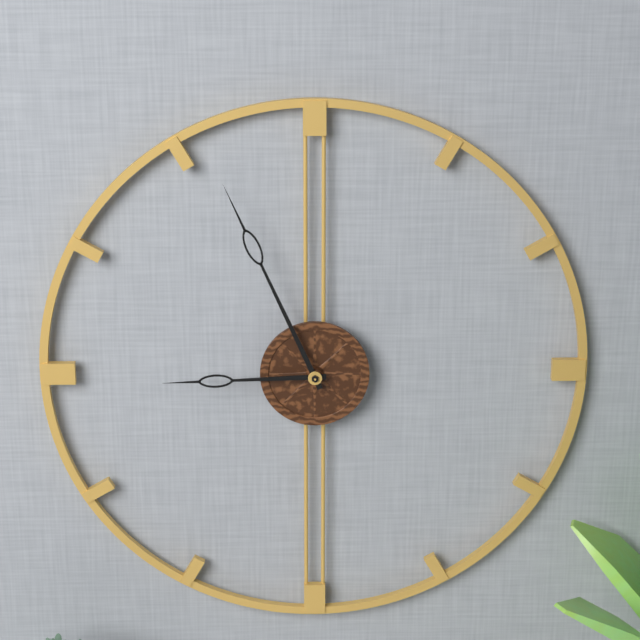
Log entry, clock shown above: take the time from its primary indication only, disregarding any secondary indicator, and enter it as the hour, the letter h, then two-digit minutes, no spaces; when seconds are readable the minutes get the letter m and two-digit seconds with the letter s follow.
8h56
